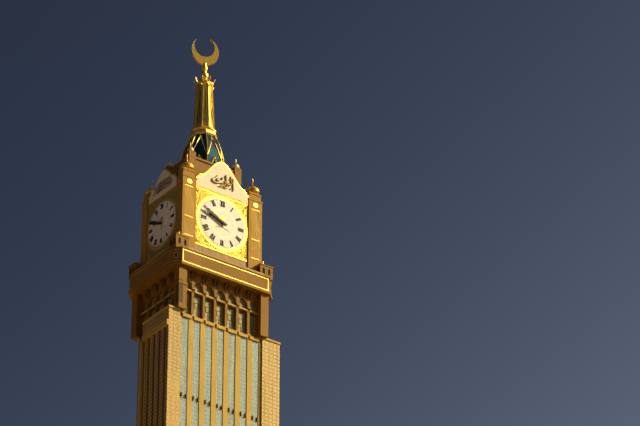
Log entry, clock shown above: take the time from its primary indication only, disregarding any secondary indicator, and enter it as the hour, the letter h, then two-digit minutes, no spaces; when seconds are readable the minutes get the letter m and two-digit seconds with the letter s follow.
9h49
